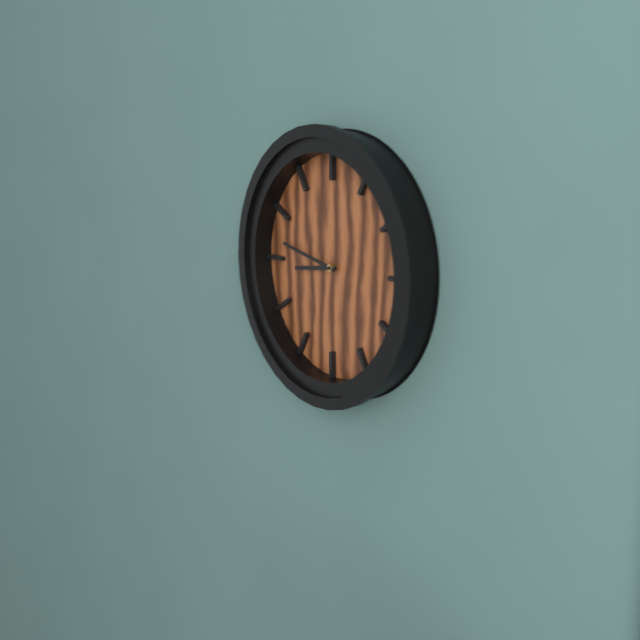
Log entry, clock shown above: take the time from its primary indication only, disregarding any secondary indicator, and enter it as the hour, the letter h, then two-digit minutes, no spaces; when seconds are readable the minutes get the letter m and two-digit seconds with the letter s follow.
8h47
